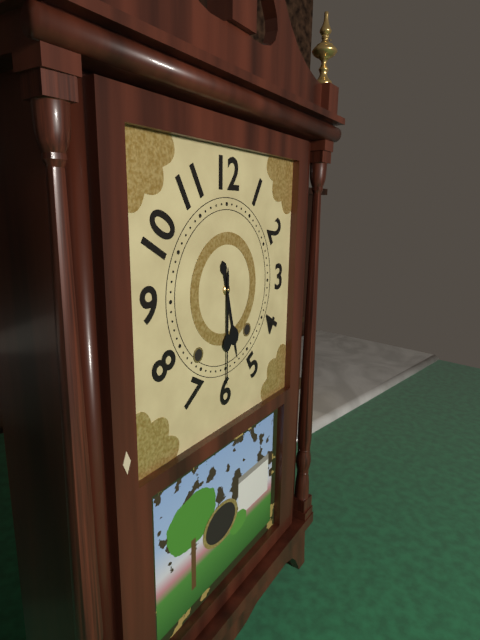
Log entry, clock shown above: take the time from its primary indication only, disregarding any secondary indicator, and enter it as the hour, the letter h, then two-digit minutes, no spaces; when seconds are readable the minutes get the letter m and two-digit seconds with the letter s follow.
5h30
